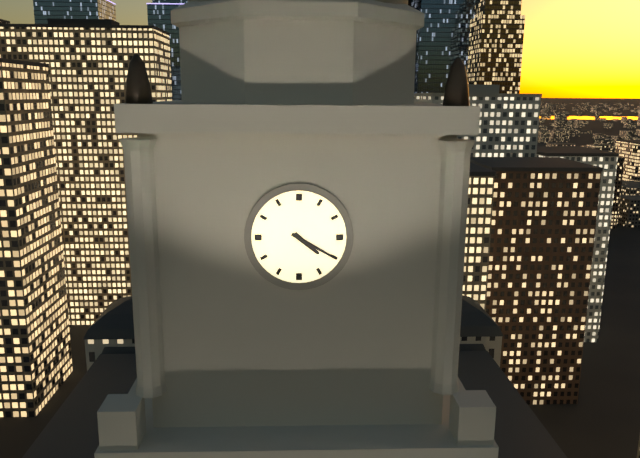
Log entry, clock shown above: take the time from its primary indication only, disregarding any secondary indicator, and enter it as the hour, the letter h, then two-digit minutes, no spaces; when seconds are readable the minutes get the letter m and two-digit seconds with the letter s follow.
4h20
